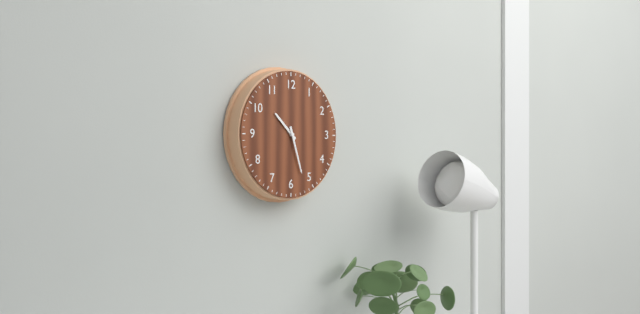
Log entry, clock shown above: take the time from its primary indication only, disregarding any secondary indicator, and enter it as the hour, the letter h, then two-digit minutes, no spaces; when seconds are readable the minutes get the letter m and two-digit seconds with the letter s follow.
10h27
